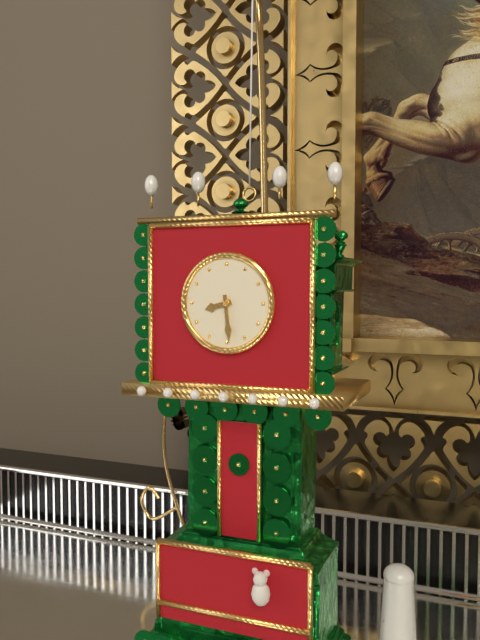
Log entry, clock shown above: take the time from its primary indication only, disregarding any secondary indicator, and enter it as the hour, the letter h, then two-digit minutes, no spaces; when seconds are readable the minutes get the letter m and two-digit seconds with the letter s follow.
8h29
